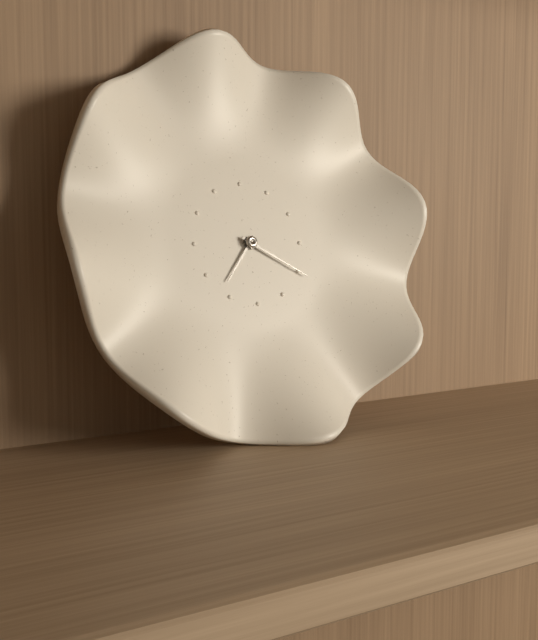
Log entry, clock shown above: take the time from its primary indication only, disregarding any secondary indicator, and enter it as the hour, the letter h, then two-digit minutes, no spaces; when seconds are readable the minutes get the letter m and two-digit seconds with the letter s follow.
7h20
